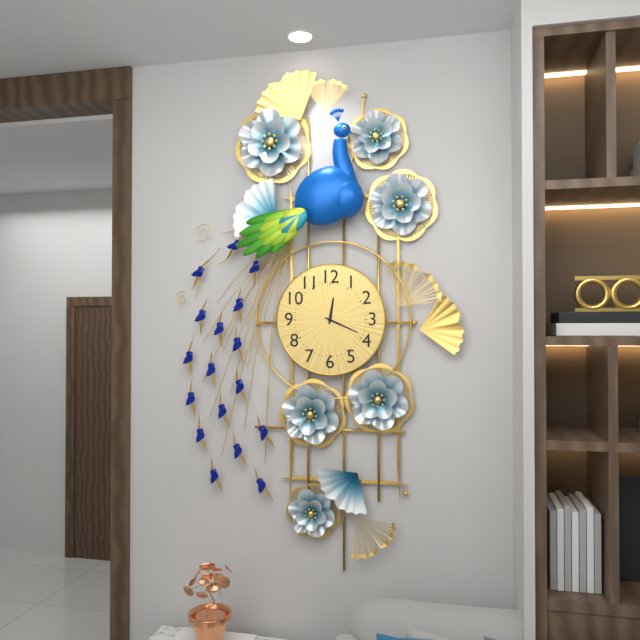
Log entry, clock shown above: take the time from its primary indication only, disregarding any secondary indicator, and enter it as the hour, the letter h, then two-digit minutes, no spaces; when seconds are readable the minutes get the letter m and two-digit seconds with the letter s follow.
12h19
